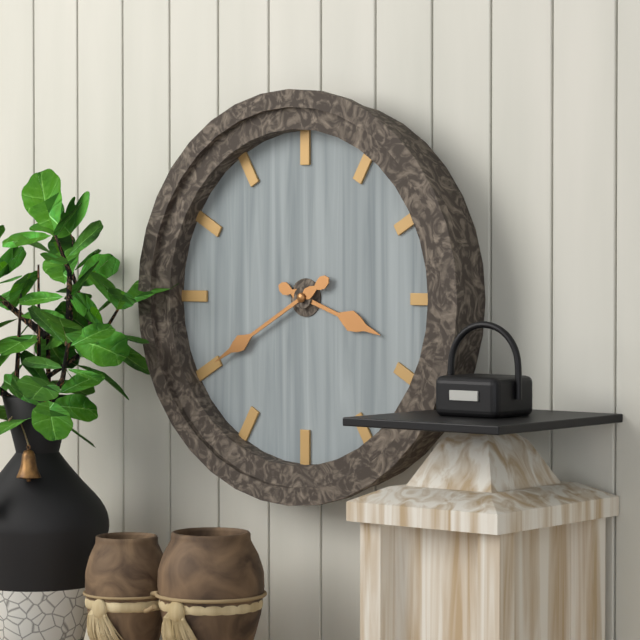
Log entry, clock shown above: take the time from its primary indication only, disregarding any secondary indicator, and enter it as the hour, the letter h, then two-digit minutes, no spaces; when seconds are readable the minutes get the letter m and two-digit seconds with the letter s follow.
3h40
